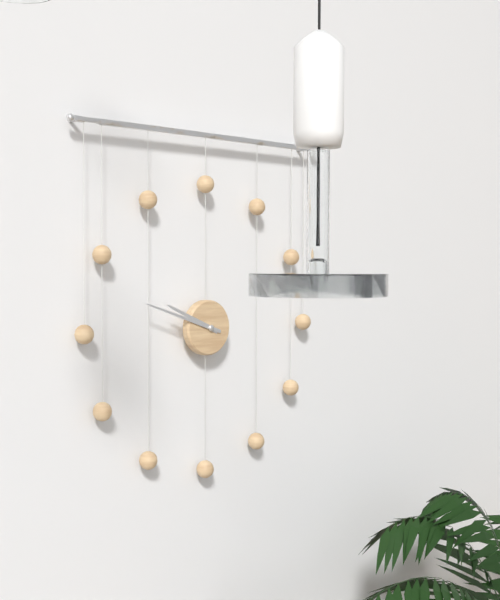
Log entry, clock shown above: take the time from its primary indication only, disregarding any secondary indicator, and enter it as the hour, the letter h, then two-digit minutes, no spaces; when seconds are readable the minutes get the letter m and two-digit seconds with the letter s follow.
9h48
